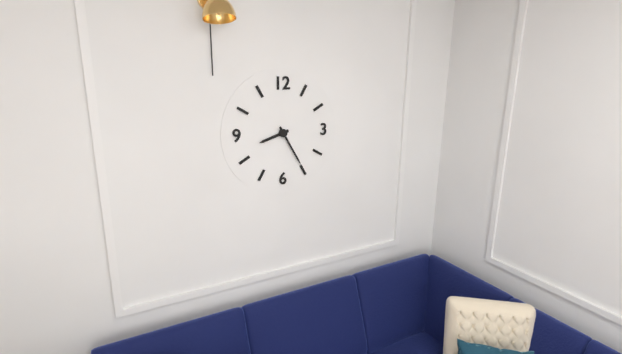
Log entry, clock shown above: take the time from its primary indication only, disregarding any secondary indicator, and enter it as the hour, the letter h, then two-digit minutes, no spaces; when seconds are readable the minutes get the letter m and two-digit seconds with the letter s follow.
8h25
